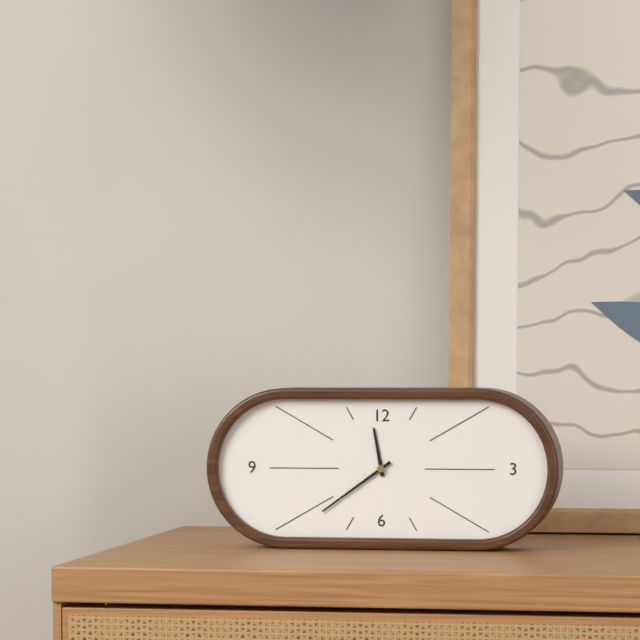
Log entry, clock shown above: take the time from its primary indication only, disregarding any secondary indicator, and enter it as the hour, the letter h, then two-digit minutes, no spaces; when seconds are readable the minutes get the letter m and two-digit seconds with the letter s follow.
11h39
